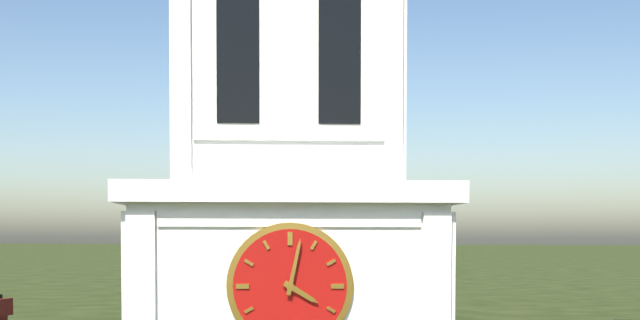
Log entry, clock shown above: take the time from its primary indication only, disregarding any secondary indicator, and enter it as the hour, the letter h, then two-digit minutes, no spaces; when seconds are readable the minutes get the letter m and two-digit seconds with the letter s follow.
4h02
